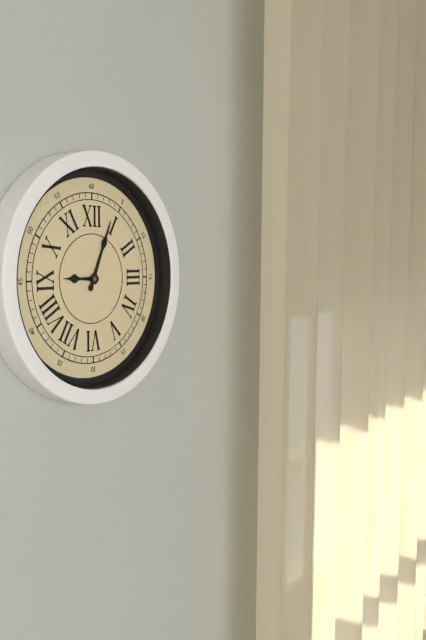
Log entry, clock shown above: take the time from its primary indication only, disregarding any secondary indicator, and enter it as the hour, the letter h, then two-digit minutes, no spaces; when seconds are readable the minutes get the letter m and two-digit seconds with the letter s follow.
9h04
